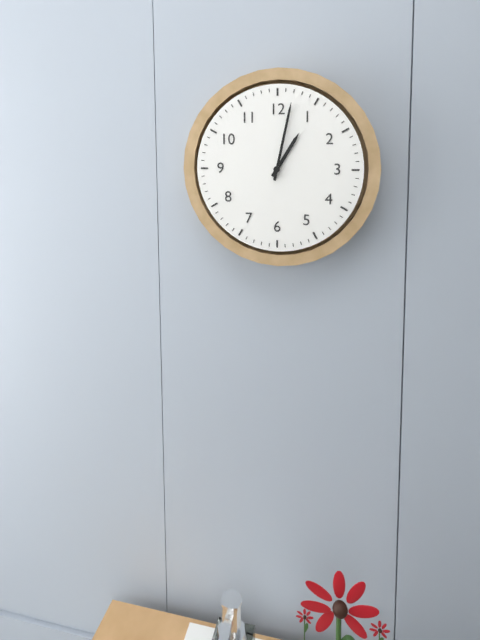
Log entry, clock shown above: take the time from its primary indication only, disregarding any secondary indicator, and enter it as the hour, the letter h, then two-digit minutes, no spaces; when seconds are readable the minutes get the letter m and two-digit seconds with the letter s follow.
1h02
